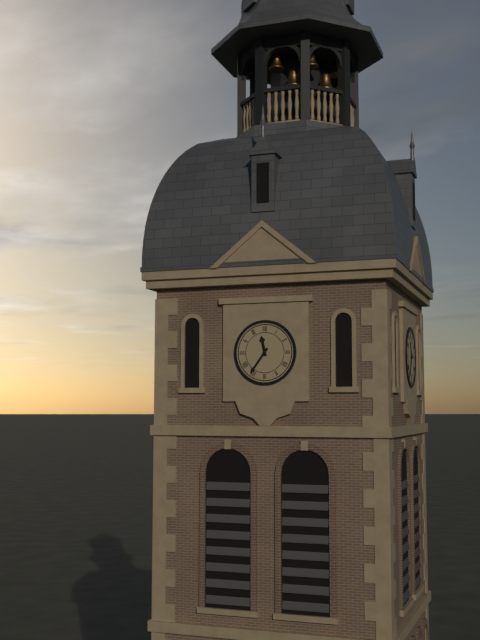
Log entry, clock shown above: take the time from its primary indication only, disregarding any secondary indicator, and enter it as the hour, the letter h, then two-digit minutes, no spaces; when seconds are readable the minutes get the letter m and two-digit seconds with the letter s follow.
11h36
